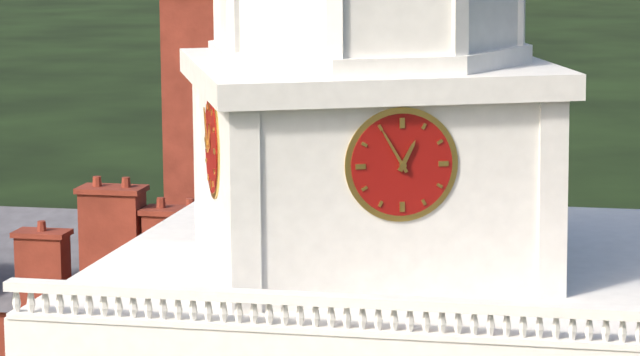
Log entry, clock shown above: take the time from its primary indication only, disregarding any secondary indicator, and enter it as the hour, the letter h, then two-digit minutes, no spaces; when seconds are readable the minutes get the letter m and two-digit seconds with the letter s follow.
12h55
